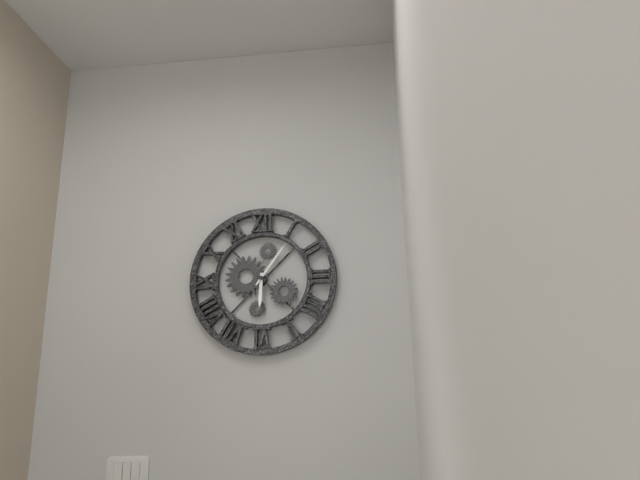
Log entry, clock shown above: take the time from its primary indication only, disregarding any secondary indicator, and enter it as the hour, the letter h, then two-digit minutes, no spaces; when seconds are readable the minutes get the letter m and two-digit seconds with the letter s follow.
6h06
